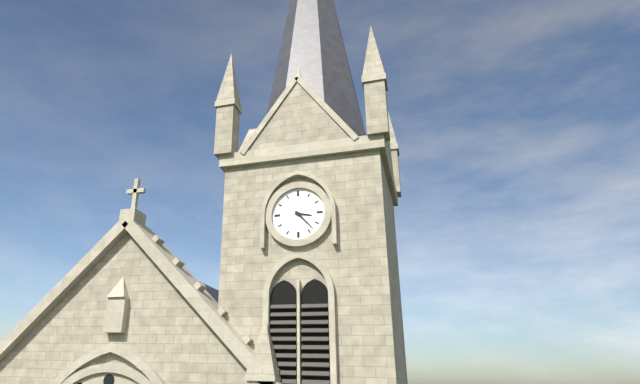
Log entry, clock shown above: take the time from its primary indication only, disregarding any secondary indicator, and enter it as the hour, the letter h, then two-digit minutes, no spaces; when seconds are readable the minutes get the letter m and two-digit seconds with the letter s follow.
3h23
